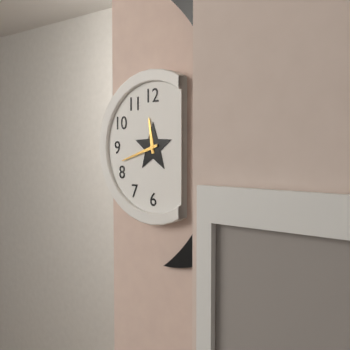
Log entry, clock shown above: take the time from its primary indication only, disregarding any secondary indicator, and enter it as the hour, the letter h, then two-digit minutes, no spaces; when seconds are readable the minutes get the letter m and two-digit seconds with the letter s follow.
11h42
